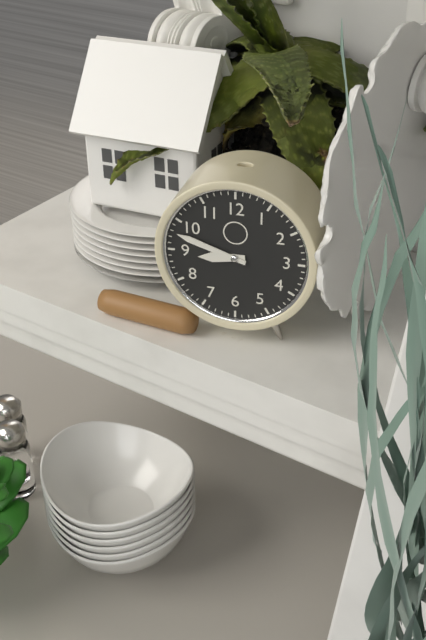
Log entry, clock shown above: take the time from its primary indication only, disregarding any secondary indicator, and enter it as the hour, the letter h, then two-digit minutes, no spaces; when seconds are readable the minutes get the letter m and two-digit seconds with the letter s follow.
8h48
